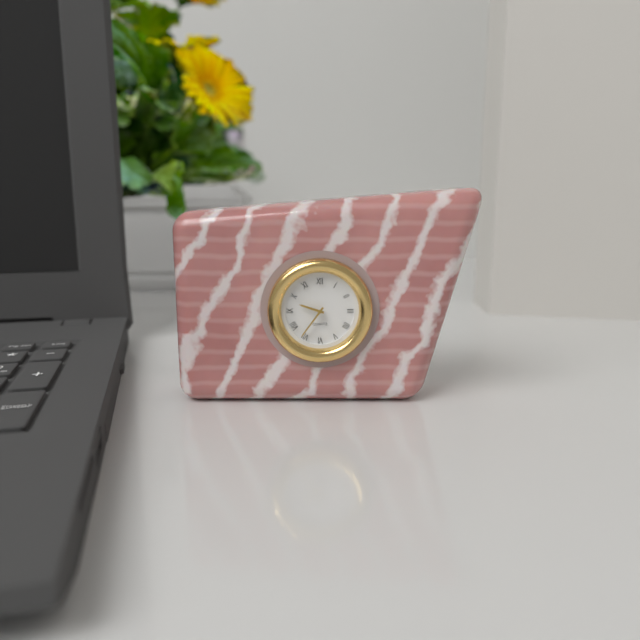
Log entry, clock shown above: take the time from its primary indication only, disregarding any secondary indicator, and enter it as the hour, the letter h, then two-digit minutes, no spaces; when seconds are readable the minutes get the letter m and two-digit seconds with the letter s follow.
9h36
